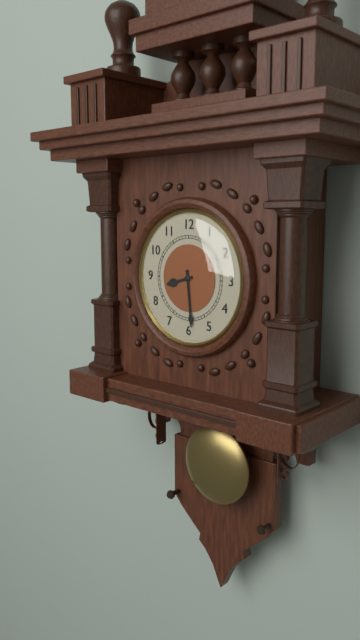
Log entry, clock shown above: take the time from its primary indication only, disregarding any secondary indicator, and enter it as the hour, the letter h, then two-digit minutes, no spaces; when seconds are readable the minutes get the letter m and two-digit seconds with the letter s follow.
8h29
